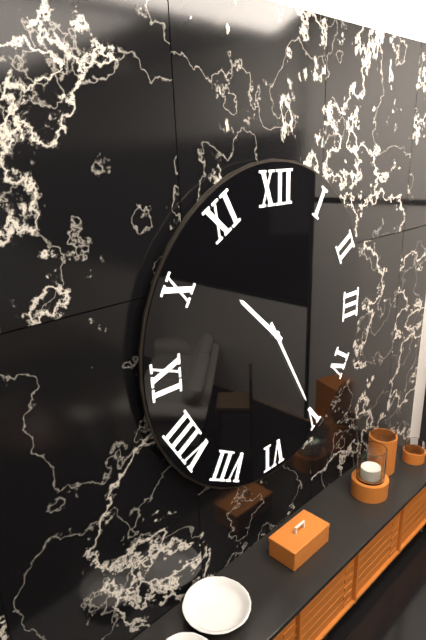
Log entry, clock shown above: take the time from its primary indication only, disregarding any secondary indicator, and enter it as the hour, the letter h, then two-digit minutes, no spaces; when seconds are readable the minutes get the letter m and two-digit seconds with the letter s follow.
10h25
